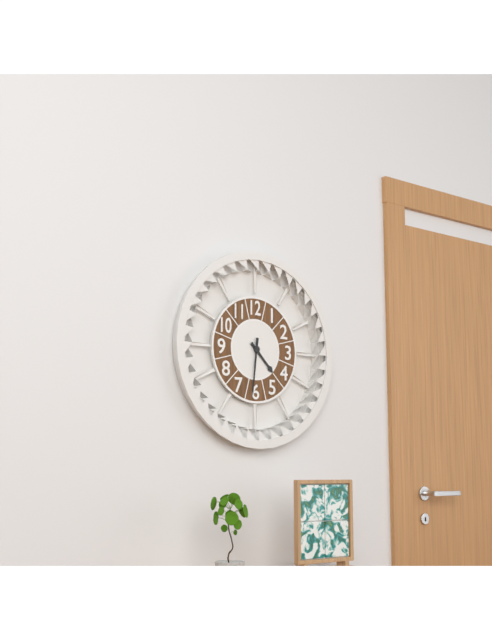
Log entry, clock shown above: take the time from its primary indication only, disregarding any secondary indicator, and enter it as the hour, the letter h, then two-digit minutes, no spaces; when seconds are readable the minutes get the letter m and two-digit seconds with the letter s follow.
4h31
